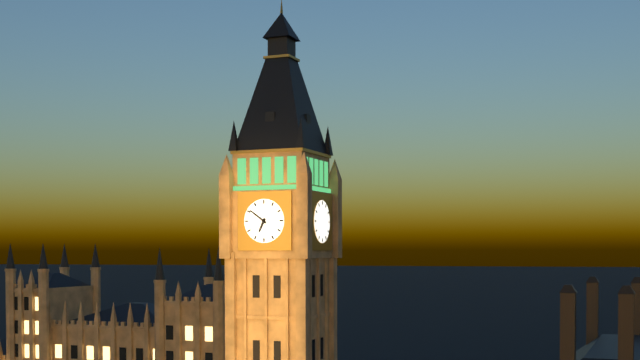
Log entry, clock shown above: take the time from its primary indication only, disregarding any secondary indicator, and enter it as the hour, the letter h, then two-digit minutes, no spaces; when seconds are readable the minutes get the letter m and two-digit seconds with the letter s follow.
6h51
